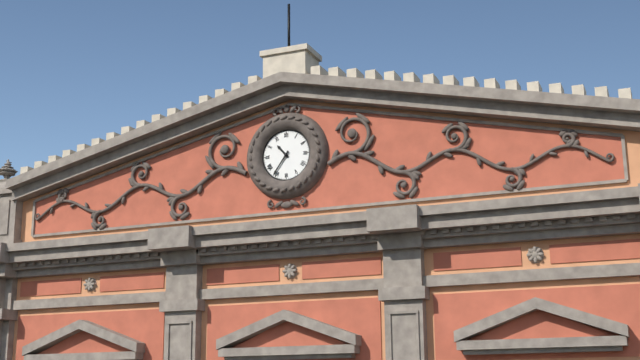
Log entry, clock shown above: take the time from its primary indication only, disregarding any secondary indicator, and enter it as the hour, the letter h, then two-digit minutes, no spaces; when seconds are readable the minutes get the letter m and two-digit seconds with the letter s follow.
10h36
